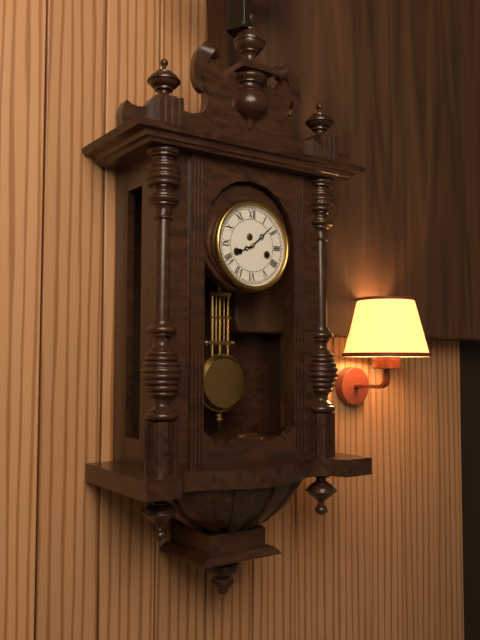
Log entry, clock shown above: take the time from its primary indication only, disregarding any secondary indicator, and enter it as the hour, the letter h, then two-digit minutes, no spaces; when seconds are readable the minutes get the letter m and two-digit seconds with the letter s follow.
8h08
